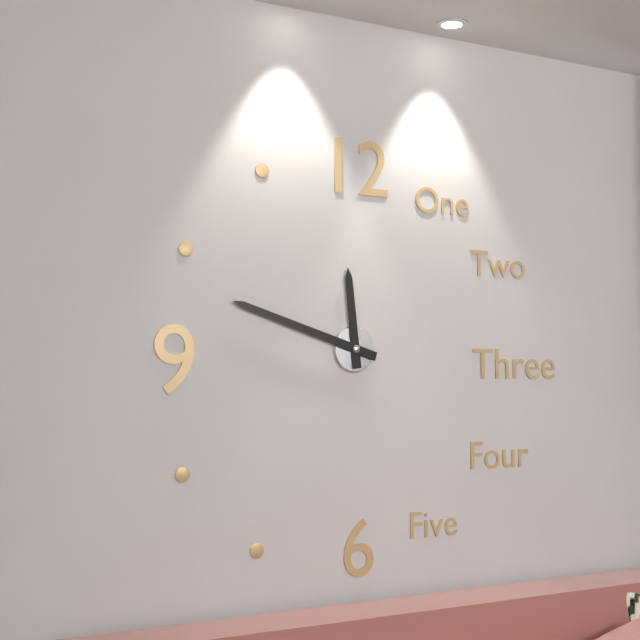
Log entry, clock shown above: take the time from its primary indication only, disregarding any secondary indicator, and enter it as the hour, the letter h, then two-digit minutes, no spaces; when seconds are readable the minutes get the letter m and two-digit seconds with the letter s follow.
11h48
